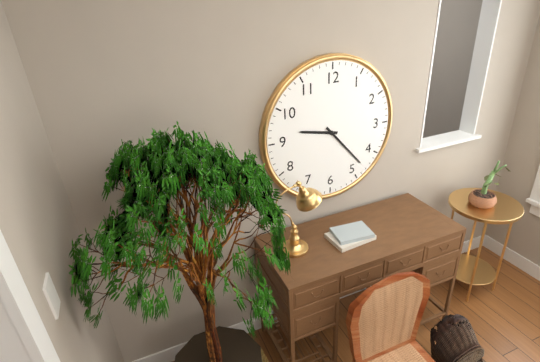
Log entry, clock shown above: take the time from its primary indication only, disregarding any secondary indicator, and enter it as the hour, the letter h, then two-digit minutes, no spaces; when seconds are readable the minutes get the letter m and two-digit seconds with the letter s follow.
9h23
